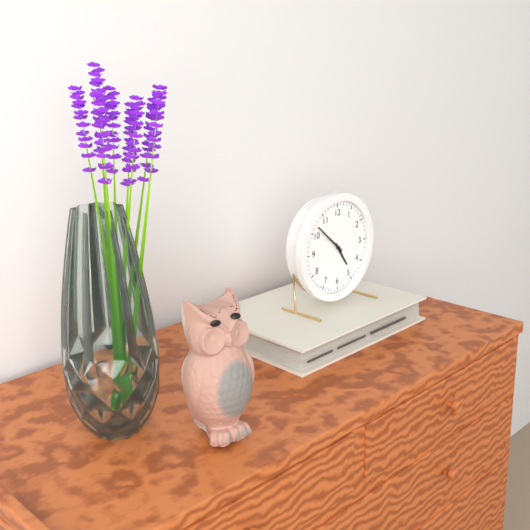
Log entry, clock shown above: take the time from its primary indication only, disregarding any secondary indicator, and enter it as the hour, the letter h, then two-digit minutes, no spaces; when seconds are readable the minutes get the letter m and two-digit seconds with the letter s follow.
4h52
